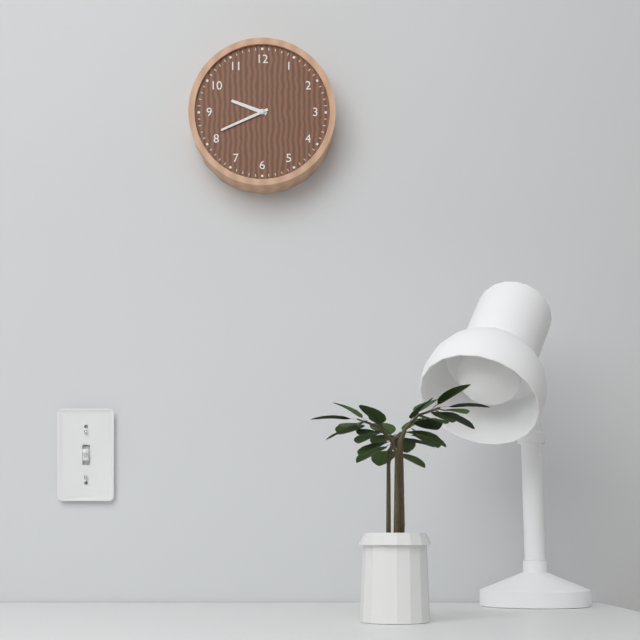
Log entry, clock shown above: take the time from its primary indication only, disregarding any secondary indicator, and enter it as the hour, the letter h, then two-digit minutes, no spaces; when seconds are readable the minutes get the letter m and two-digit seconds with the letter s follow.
9h41
